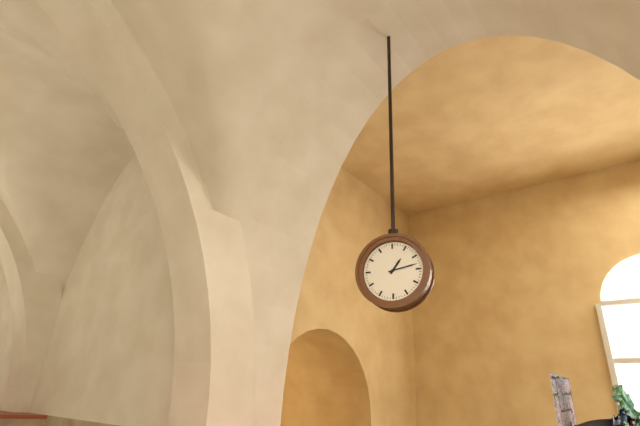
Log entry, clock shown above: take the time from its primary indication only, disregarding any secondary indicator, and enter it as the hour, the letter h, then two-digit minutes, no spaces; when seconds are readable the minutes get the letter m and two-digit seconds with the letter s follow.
1h13
